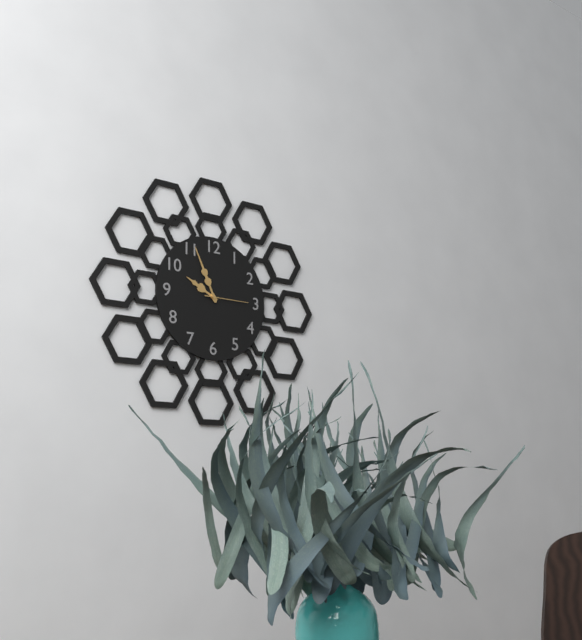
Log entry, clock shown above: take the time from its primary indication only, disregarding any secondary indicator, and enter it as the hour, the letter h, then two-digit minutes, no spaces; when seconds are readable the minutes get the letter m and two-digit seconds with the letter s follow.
9h56
